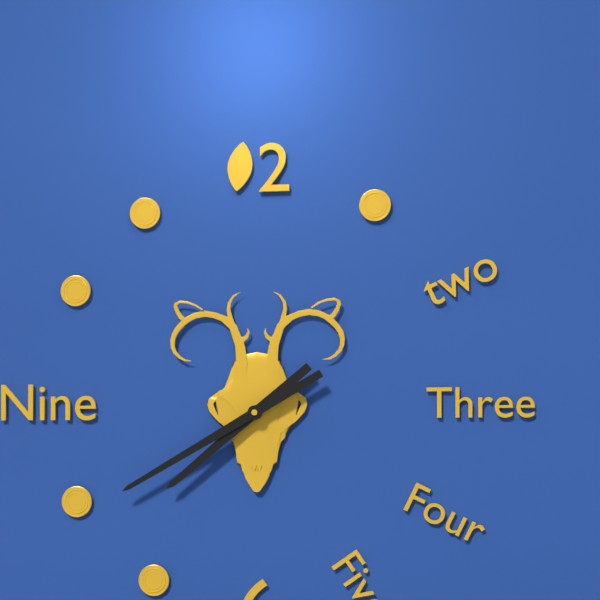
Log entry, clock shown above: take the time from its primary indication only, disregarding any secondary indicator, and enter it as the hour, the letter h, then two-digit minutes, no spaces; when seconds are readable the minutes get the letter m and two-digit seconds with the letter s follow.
7h40
